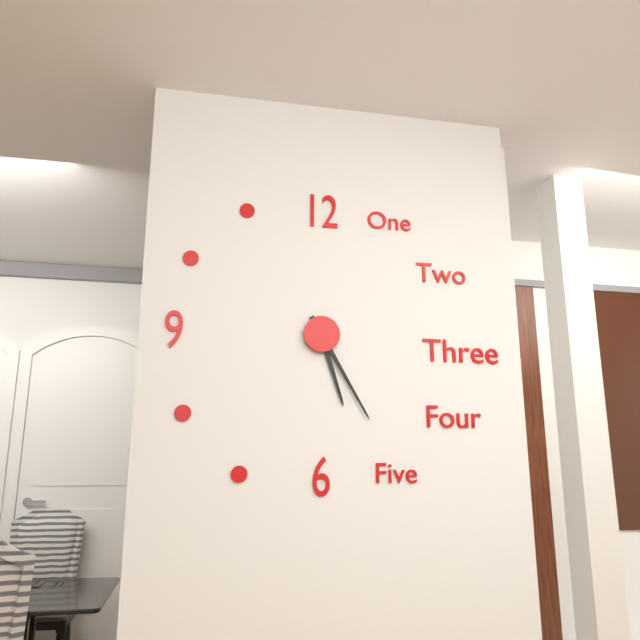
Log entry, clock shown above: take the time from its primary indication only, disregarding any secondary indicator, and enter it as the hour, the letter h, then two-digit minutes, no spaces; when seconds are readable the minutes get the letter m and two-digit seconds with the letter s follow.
5h25
